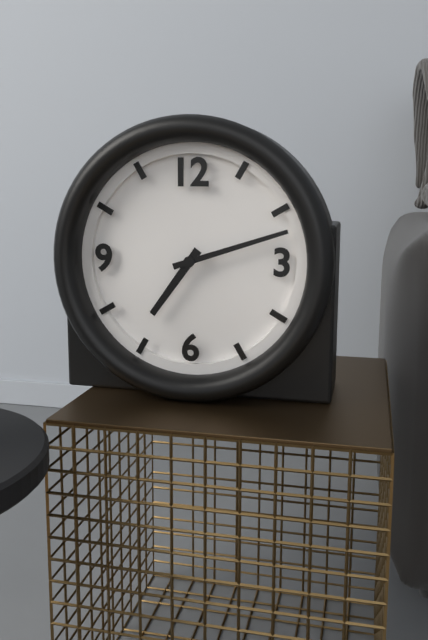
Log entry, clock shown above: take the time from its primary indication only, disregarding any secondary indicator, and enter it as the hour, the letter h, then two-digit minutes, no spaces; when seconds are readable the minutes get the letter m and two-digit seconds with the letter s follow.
7h12
